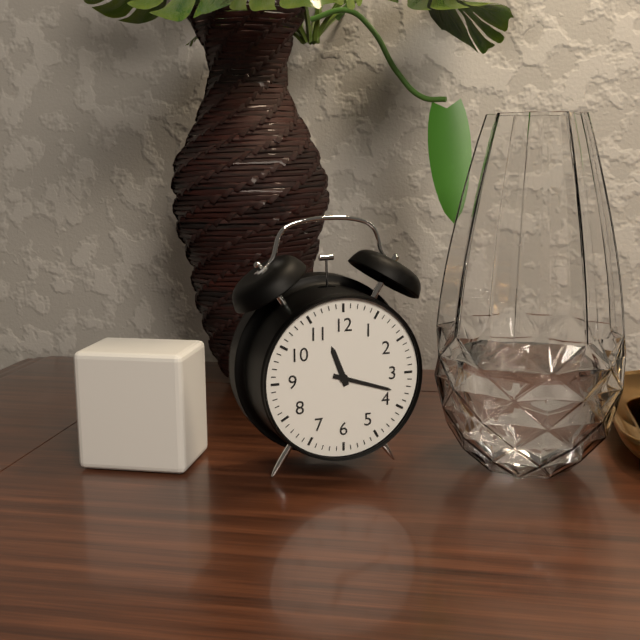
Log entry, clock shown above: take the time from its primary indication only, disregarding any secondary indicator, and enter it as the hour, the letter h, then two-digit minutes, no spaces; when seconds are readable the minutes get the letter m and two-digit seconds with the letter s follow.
11h18
